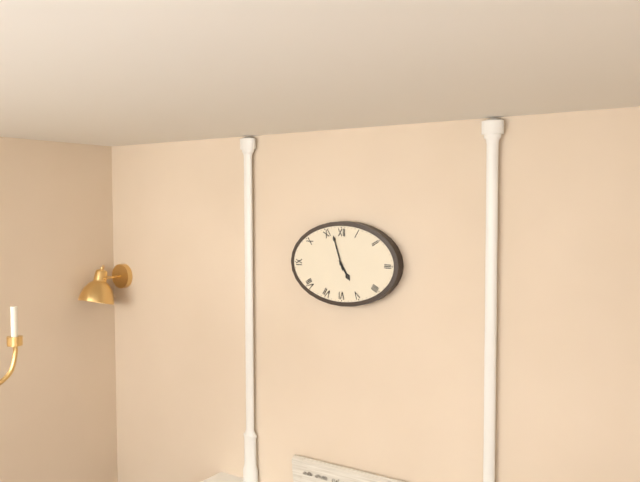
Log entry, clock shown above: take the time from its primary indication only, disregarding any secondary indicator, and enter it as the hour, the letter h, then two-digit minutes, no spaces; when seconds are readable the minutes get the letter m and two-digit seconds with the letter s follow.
4h57
